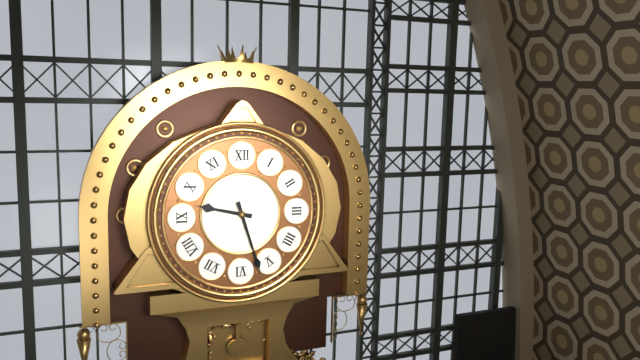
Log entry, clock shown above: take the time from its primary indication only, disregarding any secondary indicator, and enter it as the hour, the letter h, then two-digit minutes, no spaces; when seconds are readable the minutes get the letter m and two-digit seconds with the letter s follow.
9h27
